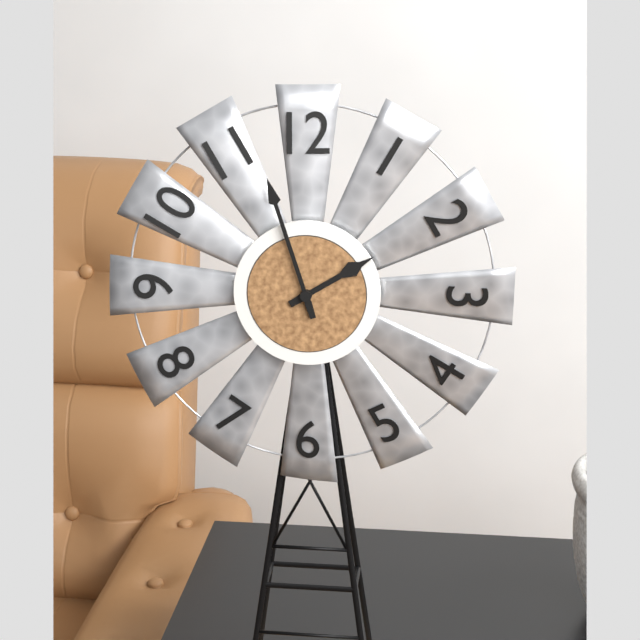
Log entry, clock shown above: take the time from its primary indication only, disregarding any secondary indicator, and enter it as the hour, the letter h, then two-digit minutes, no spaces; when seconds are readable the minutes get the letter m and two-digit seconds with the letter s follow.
1h57
